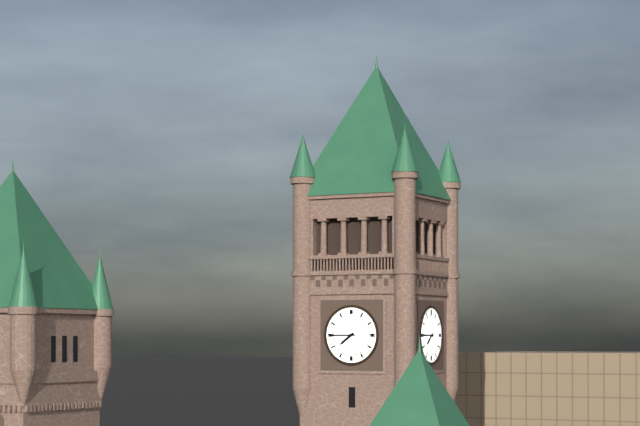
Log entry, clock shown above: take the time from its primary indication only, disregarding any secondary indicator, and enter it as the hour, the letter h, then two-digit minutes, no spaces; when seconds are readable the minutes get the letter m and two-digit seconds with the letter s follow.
7h45
